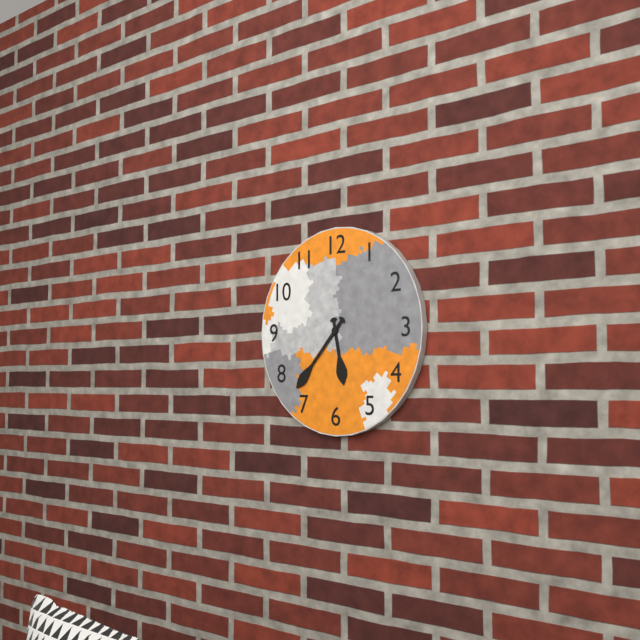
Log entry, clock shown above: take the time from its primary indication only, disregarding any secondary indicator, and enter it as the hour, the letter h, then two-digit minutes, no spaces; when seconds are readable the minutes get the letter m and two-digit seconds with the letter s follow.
5h37
